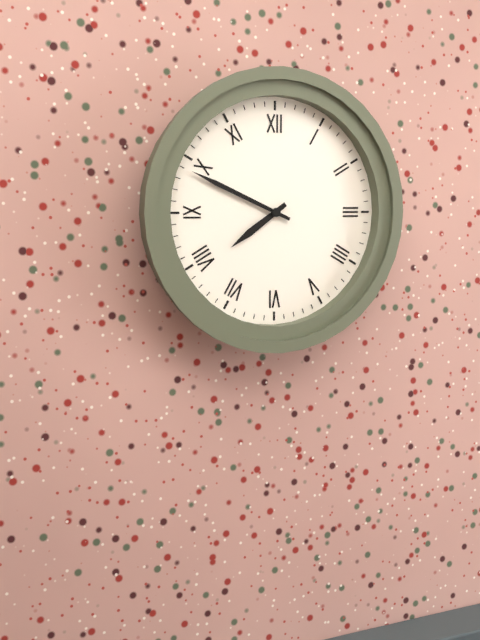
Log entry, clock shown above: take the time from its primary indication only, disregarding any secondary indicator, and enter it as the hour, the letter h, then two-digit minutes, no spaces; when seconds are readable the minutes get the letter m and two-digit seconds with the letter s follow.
7h49
